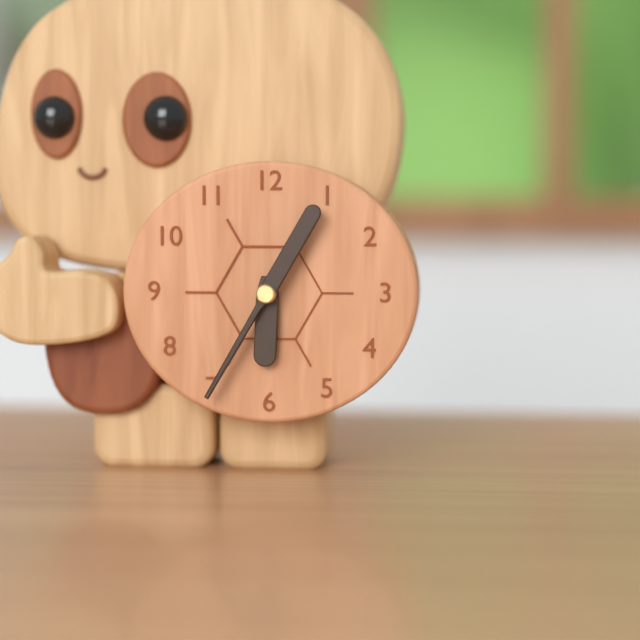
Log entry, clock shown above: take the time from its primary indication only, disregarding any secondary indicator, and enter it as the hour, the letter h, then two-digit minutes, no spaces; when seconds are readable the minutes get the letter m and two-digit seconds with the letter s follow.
6h05
